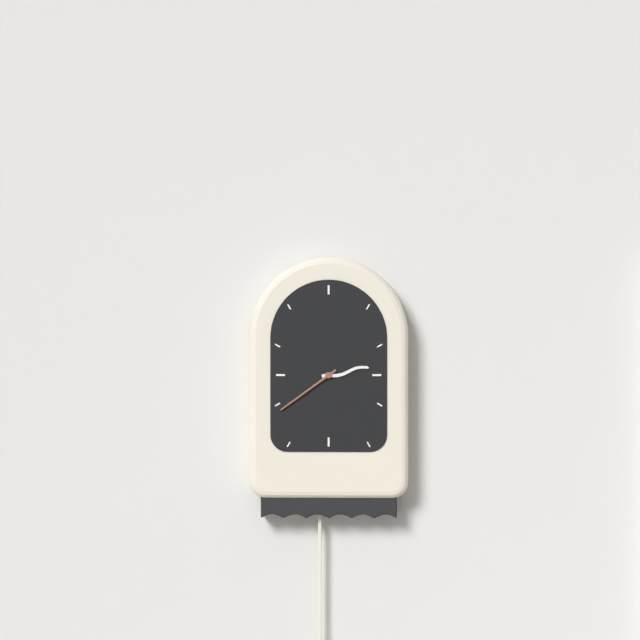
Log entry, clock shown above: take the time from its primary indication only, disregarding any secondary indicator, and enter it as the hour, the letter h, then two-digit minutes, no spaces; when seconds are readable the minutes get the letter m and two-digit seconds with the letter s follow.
2h39
